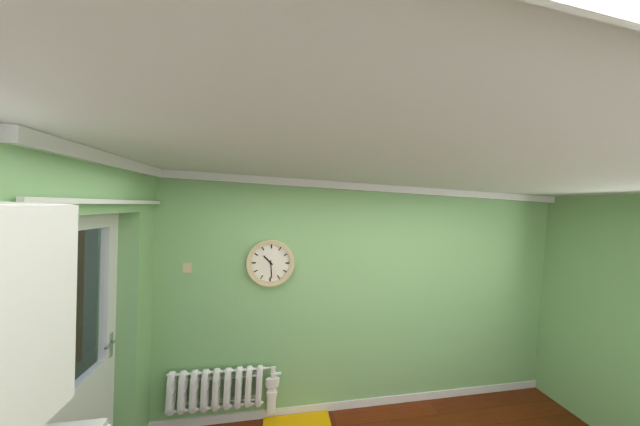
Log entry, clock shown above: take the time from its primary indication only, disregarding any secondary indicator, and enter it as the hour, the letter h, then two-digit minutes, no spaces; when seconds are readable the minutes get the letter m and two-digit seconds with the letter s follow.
10h29
